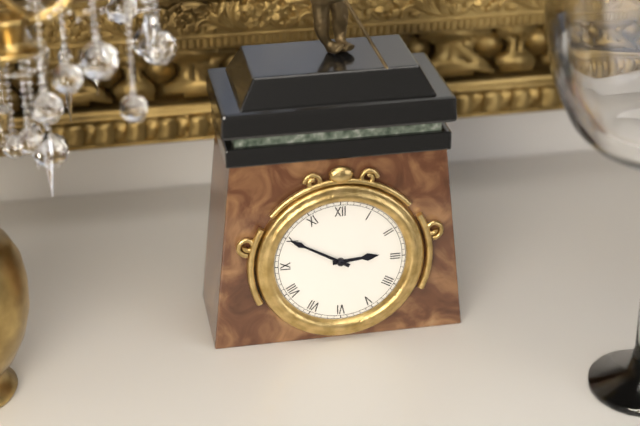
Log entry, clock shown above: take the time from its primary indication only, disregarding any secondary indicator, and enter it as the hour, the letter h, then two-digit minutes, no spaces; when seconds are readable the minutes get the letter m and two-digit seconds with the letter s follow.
2h50
